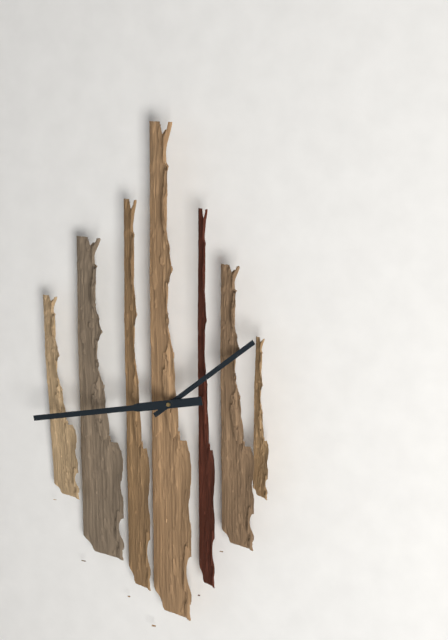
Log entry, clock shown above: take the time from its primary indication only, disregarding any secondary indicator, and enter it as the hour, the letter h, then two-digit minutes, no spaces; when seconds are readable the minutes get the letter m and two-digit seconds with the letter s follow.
1h43
